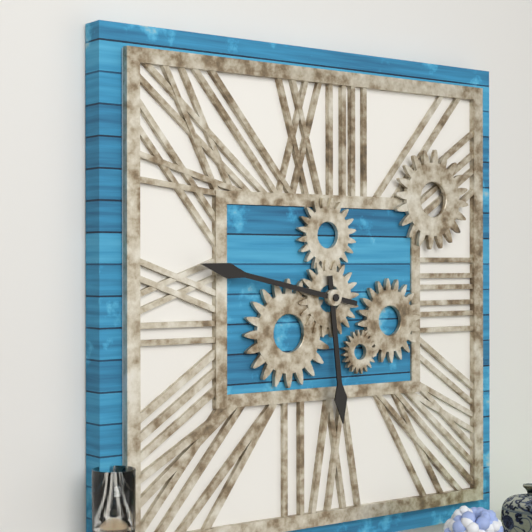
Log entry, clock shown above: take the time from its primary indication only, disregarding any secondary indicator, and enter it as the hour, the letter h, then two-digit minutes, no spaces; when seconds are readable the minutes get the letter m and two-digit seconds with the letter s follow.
5h47
